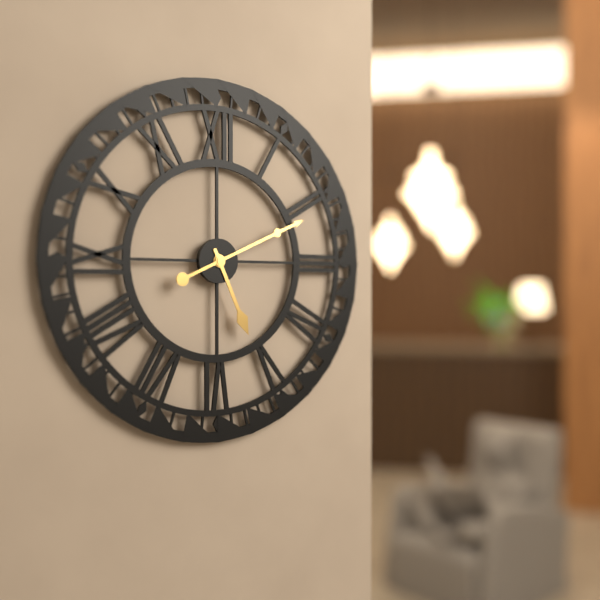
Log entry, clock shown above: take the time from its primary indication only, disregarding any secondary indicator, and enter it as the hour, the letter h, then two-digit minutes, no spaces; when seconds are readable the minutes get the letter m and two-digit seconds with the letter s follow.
5h11
